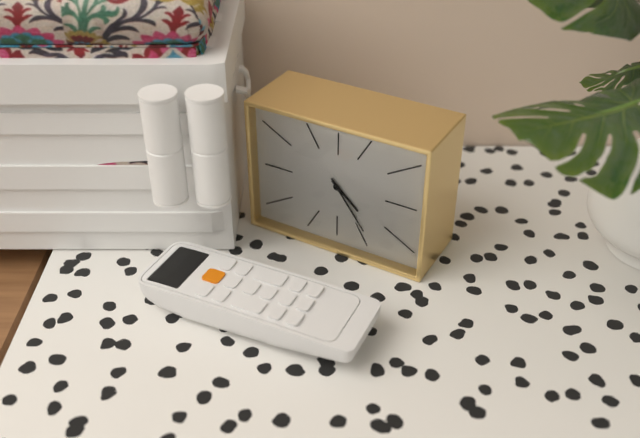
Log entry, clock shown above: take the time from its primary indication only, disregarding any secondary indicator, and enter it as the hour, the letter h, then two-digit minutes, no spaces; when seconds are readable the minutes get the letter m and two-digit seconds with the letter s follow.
4h24
